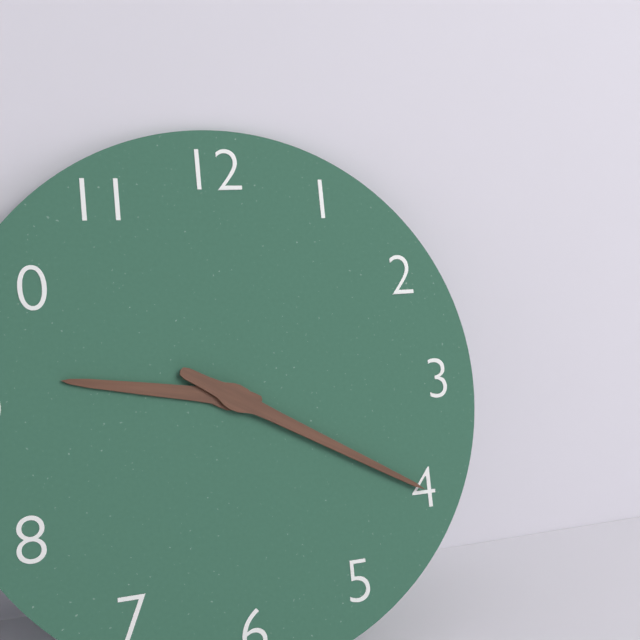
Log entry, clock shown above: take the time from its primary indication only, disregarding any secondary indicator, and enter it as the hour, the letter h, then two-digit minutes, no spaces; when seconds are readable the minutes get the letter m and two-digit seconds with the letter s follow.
9h20
